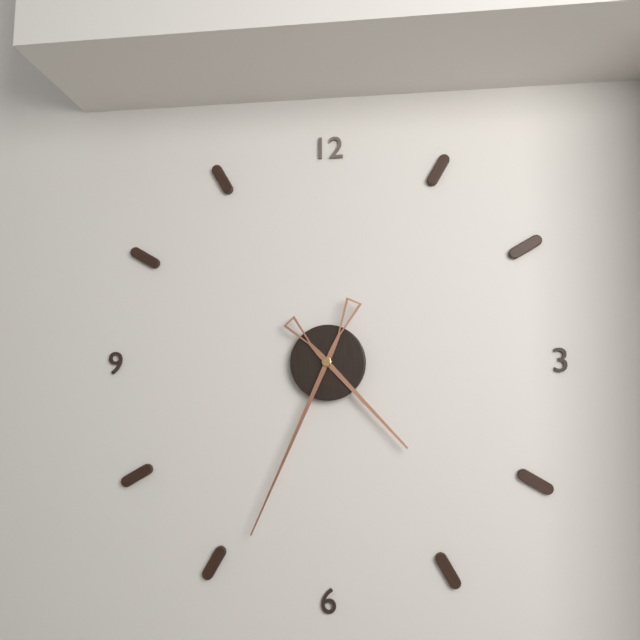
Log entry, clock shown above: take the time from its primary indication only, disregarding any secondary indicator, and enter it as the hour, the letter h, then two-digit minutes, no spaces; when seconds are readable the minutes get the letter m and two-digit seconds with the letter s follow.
4h34
